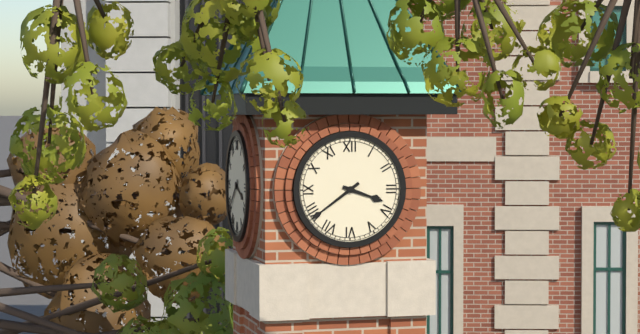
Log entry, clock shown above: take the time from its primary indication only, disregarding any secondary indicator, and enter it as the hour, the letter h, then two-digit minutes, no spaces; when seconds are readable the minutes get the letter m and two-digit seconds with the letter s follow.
3h39
